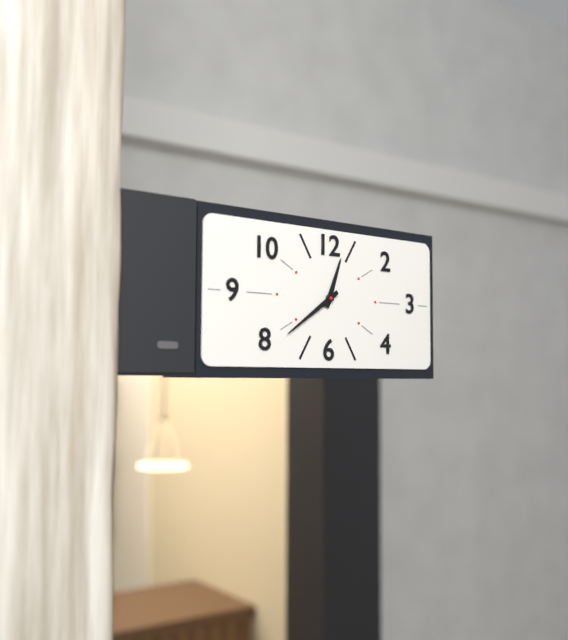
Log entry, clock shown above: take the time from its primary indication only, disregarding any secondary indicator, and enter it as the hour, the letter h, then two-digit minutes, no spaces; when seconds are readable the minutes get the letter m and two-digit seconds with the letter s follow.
12h39
